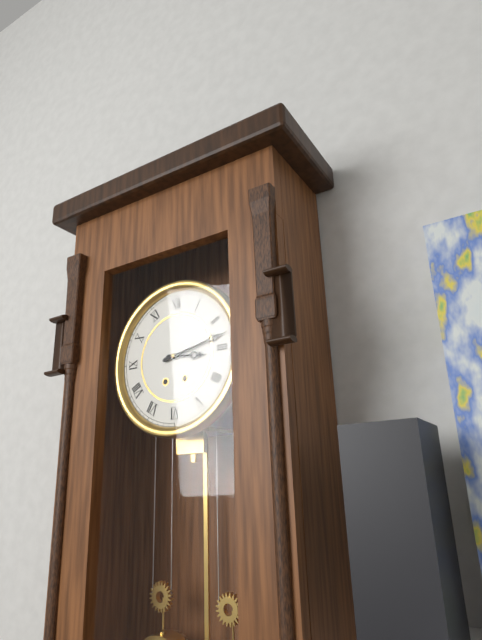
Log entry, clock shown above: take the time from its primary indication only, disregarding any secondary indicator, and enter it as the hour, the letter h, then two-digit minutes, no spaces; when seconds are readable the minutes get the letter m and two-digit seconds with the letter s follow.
3h13
